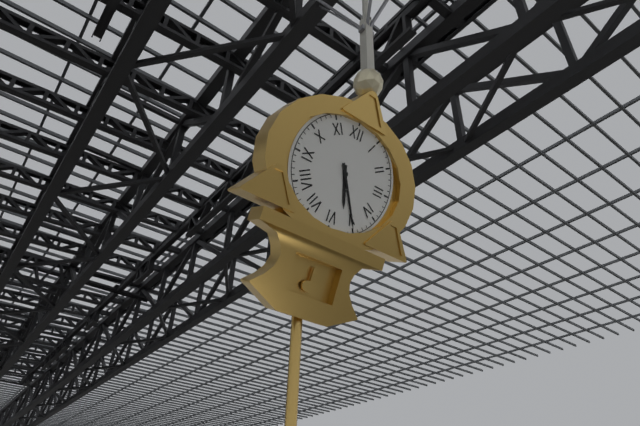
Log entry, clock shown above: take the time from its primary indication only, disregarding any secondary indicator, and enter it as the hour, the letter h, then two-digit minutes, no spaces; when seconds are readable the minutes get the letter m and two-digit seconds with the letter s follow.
5h25
